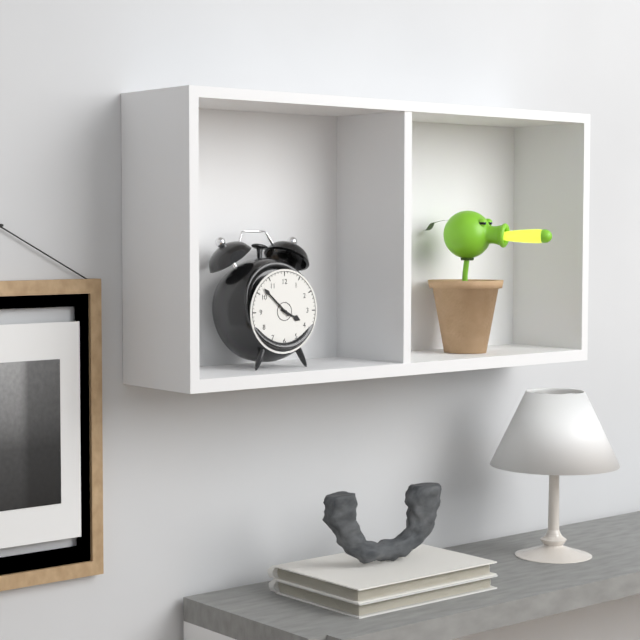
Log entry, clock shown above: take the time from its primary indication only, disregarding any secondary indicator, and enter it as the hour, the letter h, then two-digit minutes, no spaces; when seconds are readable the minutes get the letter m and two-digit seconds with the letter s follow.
3h52
